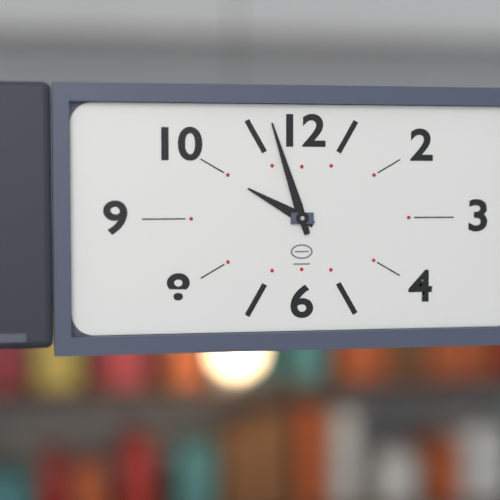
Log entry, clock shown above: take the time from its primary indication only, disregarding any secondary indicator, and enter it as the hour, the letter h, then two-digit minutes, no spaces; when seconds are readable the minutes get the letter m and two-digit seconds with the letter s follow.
9h57
